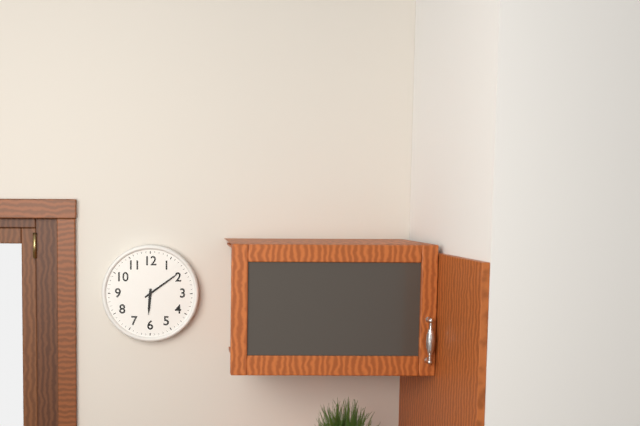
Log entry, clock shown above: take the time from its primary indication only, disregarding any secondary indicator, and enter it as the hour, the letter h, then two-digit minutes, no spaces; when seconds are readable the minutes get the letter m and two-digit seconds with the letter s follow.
6h09
